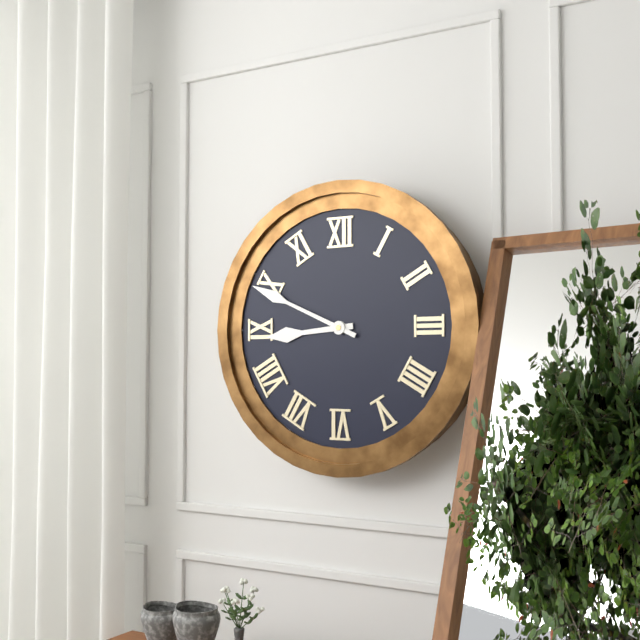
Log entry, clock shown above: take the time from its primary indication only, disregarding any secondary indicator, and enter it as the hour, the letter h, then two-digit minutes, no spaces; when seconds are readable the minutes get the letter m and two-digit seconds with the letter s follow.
8h49
